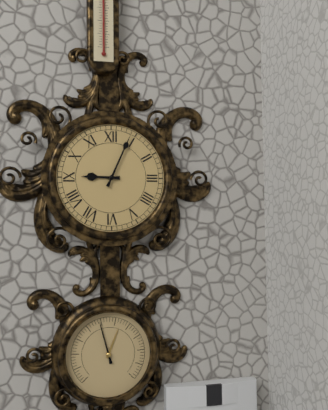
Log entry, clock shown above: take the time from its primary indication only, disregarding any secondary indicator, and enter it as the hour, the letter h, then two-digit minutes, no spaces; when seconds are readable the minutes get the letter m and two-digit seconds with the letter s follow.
9h04
